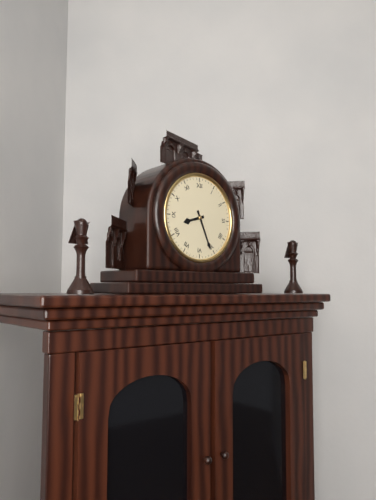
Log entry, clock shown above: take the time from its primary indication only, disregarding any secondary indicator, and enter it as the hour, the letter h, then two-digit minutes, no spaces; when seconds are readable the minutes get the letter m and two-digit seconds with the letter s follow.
8h26
